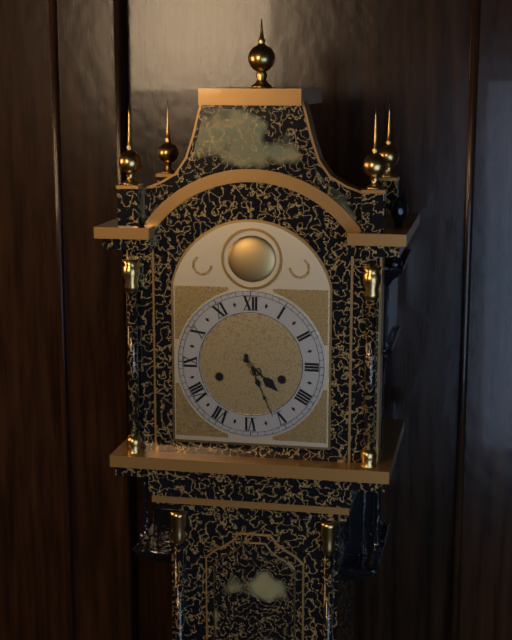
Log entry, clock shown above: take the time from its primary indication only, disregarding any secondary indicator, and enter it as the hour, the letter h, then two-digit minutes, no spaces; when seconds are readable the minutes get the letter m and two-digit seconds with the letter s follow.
4h26
